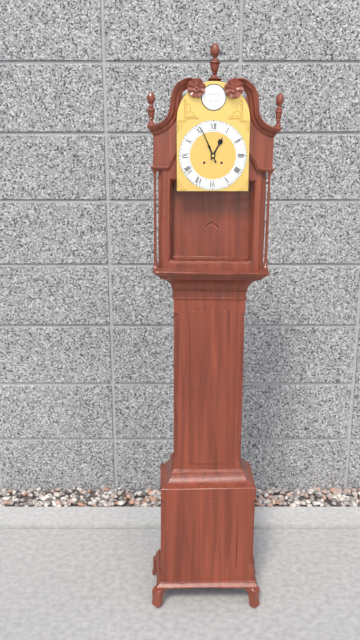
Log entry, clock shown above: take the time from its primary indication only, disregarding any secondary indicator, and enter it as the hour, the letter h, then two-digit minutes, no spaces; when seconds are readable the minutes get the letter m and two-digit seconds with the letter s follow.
12h56
